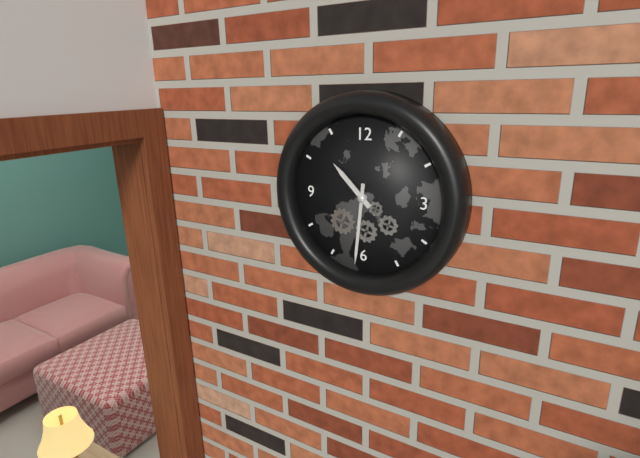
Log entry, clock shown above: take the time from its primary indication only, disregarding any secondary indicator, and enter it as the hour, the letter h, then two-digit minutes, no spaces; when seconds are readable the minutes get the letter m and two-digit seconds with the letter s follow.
10h31
